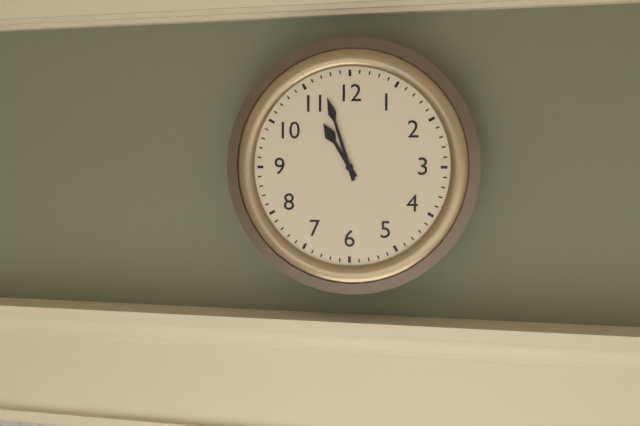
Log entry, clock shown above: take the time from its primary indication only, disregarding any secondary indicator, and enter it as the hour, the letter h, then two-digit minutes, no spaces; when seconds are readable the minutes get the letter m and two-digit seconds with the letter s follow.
10h57
